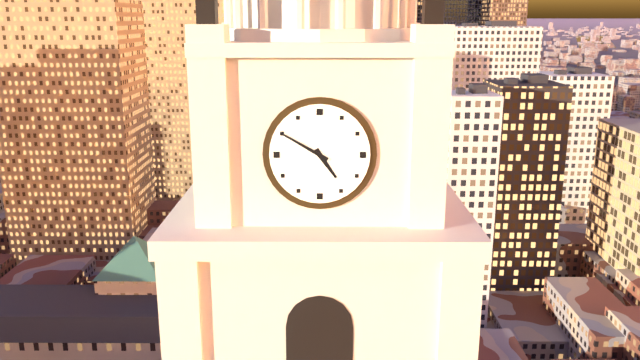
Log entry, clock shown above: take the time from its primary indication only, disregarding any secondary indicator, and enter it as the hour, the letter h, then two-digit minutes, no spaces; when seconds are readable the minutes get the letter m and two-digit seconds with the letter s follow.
4h50
